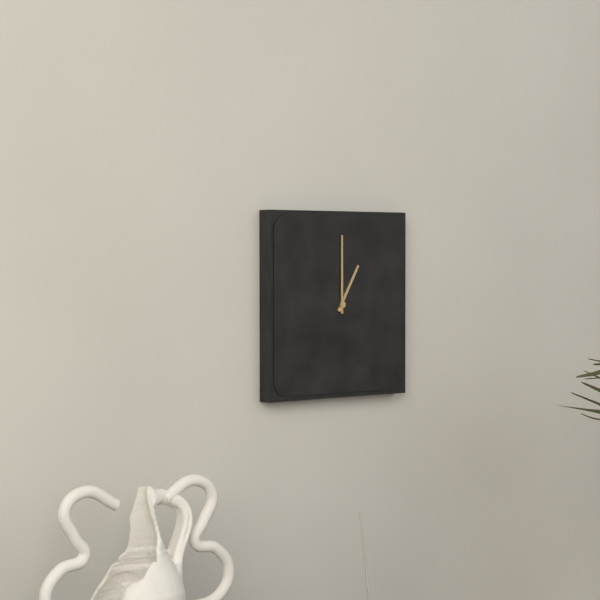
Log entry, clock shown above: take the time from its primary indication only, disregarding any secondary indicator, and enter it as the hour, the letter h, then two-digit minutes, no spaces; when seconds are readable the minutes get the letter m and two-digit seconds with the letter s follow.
1h00
